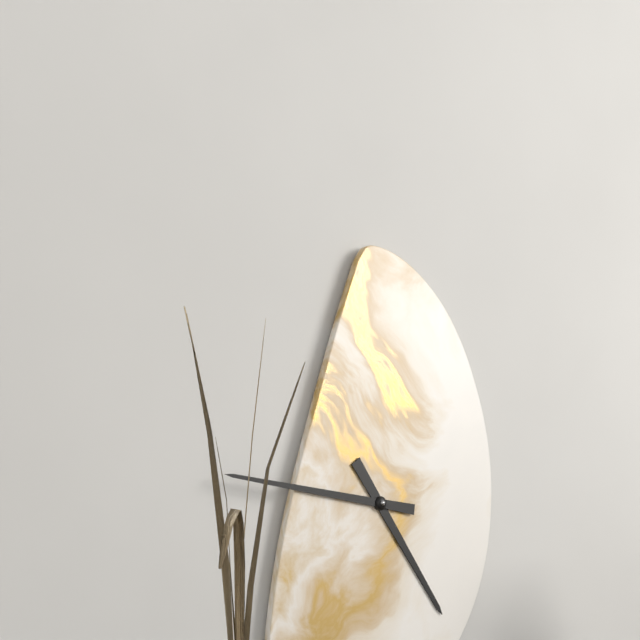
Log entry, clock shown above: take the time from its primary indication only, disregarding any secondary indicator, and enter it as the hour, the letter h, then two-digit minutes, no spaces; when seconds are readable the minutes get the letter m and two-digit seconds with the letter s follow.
4h46
